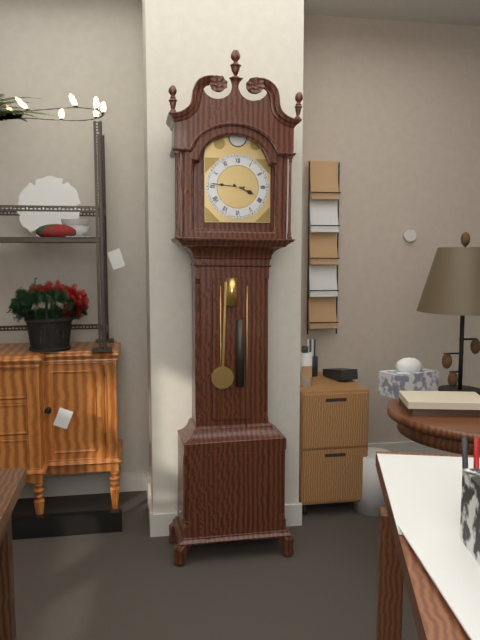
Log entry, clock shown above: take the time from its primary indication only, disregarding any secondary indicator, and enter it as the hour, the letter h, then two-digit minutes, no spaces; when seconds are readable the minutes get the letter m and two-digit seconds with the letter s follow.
3h46
